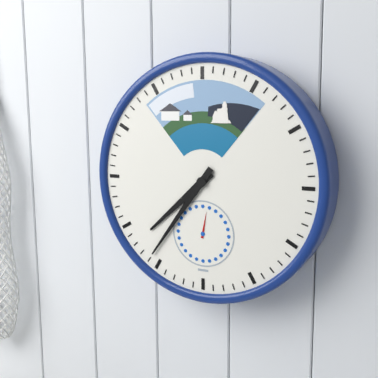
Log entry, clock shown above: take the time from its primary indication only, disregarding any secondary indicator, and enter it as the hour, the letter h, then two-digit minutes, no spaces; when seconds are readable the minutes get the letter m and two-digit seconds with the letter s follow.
7h36
